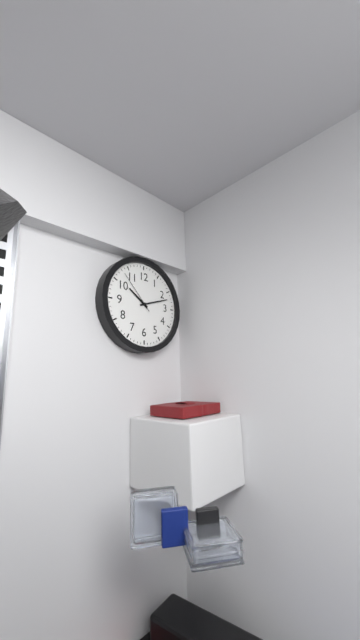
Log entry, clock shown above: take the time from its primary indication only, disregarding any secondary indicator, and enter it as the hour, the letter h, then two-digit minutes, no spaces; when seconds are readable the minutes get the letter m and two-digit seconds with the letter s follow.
10h12
